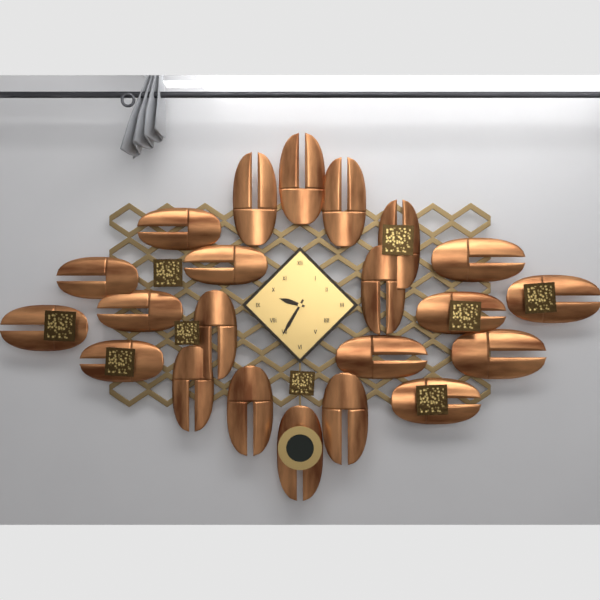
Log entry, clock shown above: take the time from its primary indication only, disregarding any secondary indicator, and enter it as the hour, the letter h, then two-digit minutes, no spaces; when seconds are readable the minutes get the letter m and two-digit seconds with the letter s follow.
9h35
